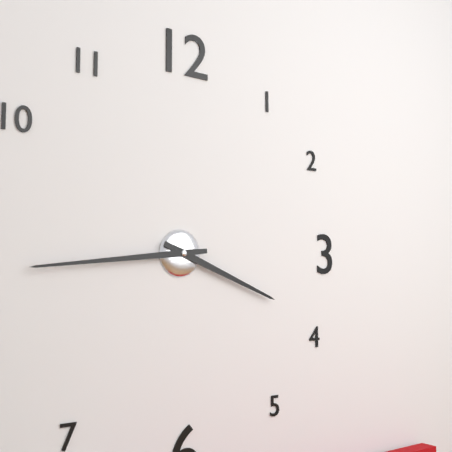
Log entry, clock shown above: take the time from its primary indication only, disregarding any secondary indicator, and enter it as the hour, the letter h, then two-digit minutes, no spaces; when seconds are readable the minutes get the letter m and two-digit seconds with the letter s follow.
3h44
